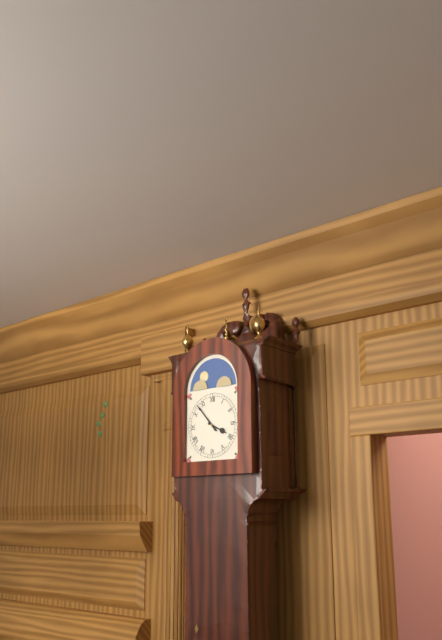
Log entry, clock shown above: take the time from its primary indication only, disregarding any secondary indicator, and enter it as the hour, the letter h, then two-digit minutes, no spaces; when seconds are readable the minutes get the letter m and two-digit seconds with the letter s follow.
3h53
